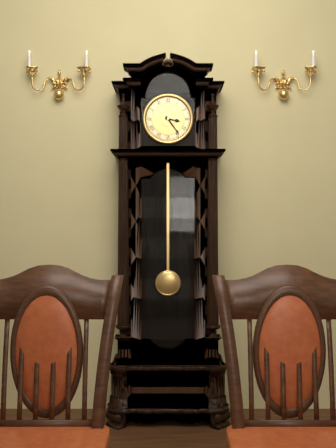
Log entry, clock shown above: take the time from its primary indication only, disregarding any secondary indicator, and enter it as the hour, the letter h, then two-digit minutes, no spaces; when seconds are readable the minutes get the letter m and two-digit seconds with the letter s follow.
3h24
